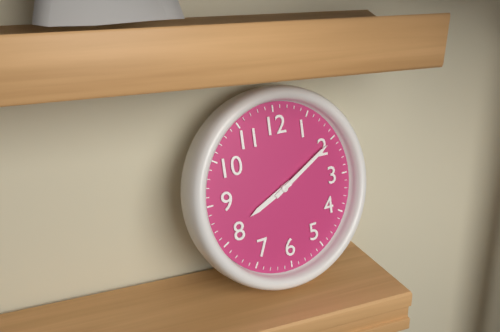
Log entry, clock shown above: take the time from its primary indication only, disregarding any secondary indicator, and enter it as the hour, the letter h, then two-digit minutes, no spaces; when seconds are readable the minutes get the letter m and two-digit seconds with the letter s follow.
8h10
